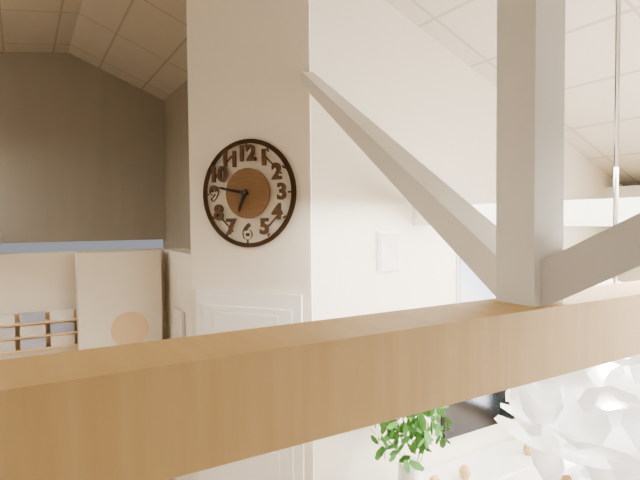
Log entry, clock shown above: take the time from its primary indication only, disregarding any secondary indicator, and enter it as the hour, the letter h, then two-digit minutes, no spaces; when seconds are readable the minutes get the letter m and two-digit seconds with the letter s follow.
6h47
